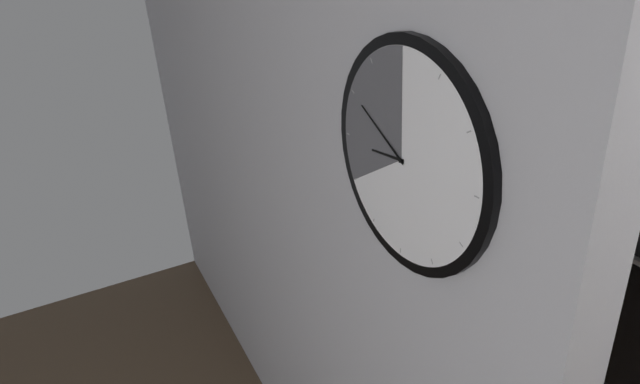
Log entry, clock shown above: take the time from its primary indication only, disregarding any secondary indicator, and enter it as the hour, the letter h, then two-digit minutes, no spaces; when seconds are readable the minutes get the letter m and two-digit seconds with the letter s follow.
8h50
